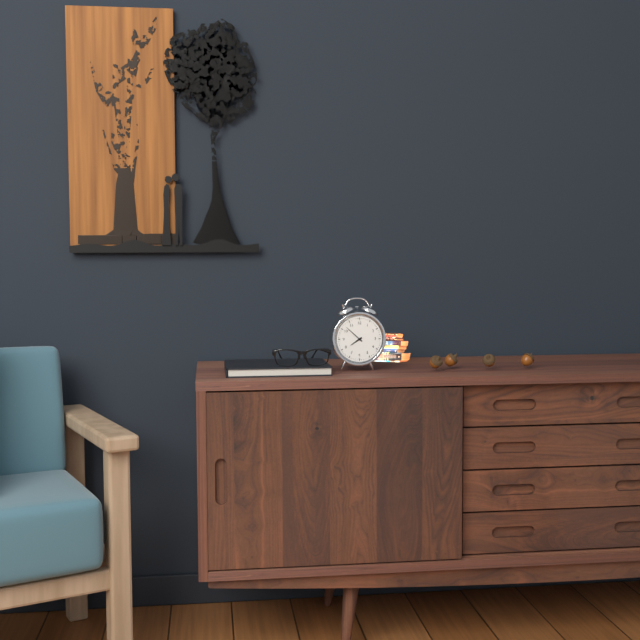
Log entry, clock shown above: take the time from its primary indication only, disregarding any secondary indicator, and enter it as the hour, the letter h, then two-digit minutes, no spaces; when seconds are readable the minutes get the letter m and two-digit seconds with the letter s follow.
7h52
